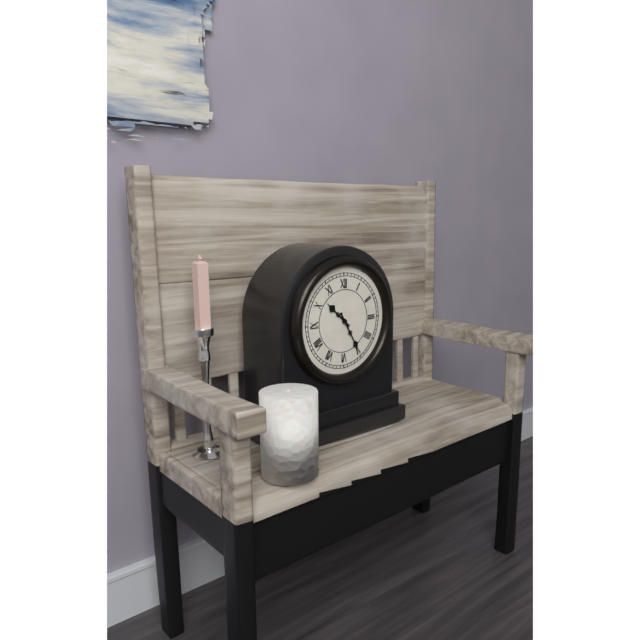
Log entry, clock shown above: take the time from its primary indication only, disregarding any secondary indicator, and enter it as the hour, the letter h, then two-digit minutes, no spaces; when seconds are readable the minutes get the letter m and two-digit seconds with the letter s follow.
10h25
